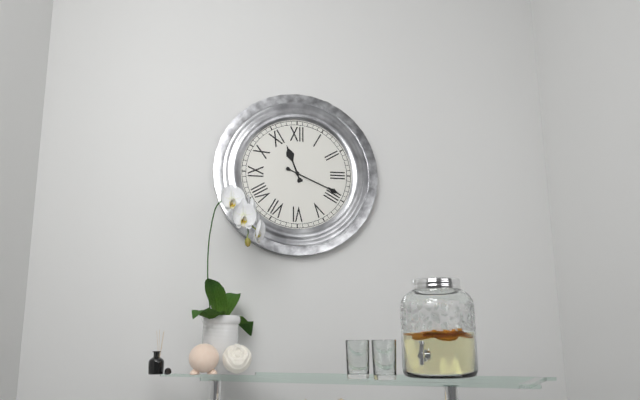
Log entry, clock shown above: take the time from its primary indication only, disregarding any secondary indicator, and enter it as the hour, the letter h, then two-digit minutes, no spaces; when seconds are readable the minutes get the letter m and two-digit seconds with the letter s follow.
11h19
